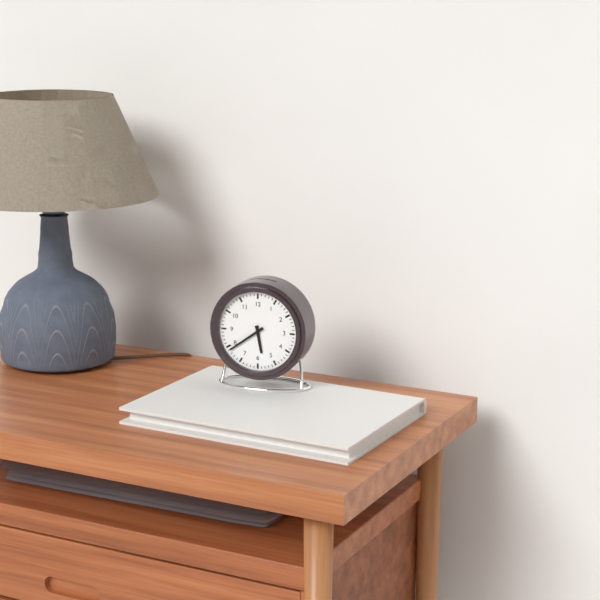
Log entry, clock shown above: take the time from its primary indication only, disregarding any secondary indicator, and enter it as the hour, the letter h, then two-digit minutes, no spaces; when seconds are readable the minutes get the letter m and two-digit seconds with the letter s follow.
5h39
